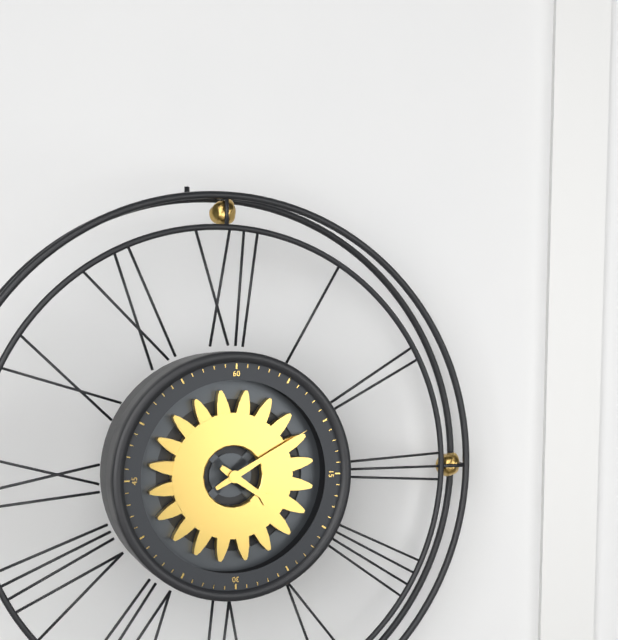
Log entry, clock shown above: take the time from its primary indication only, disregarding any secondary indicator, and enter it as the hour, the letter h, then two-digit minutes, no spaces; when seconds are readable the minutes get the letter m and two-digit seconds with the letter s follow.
4h10
